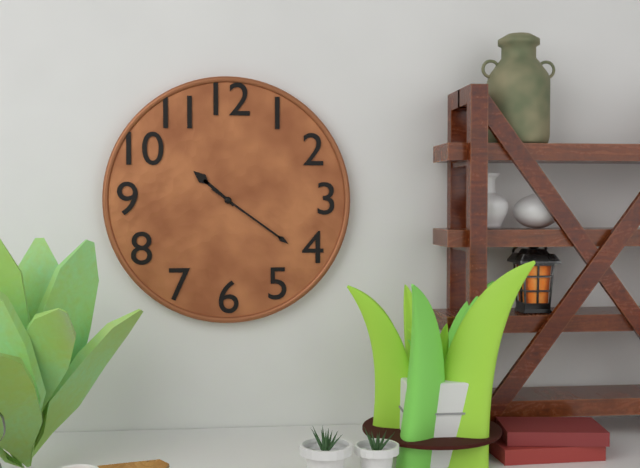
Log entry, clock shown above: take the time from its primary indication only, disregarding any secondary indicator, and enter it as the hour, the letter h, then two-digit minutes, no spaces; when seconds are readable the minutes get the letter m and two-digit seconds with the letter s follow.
10h21
